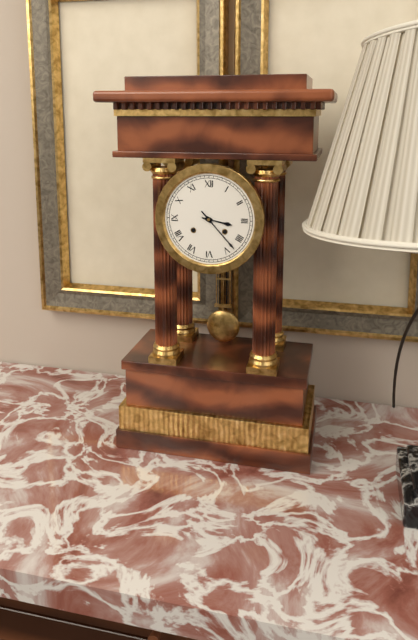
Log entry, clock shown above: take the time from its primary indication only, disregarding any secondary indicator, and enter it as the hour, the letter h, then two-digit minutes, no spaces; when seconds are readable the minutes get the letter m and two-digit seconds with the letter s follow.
3h23
